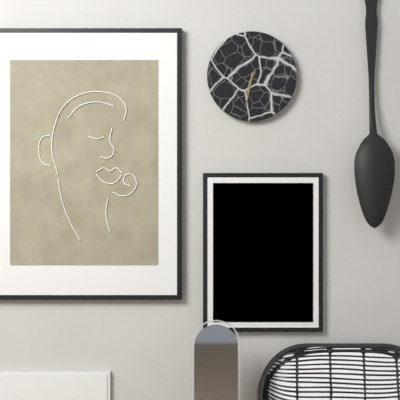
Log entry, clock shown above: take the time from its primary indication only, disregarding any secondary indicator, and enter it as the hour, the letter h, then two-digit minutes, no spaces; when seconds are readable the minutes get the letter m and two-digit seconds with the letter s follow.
6h32
